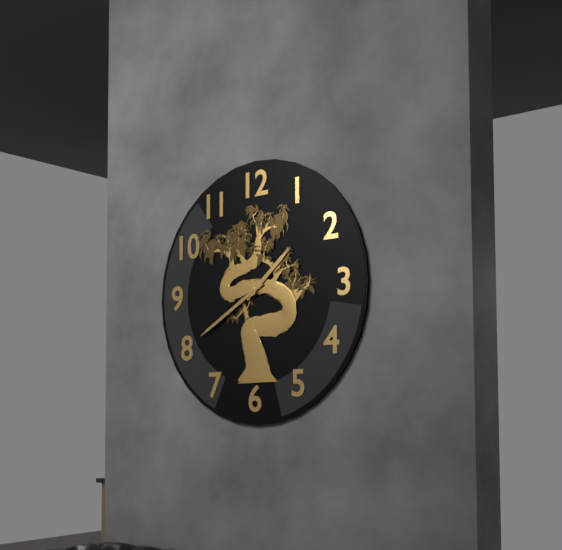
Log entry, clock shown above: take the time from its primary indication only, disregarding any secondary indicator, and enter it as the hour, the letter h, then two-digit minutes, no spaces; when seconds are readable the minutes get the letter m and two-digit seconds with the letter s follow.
1h40
